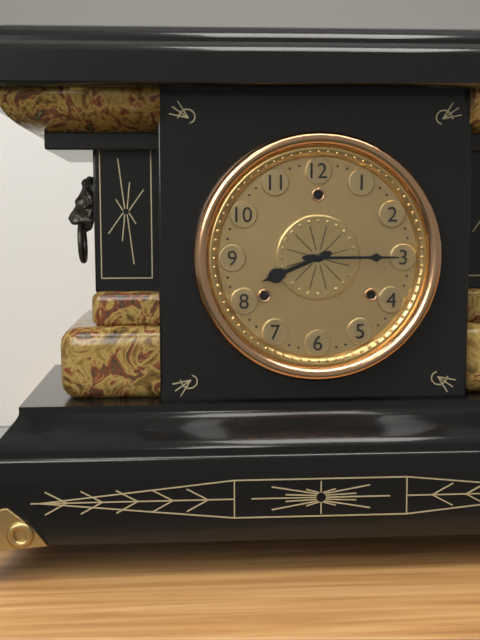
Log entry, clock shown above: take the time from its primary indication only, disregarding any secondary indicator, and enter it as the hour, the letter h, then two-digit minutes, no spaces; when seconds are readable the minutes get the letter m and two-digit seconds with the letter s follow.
8h15
